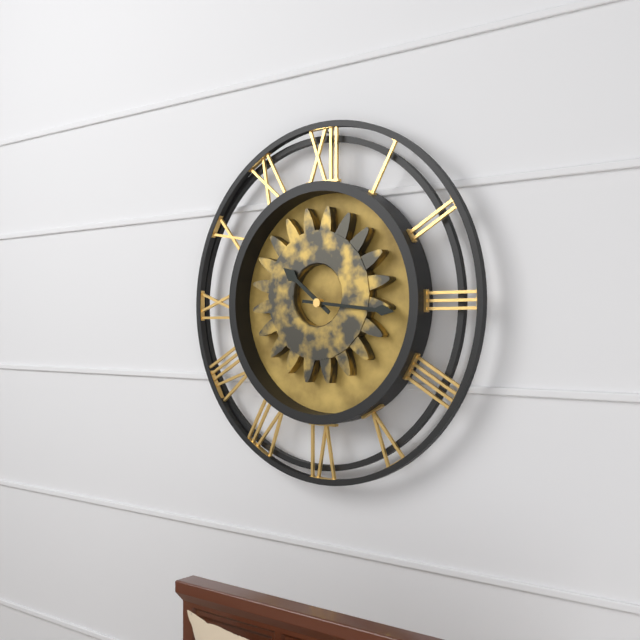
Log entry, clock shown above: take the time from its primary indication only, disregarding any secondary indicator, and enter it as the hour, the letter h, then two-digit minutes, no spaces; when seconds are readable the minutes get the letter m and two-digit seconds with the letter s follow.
10h16
